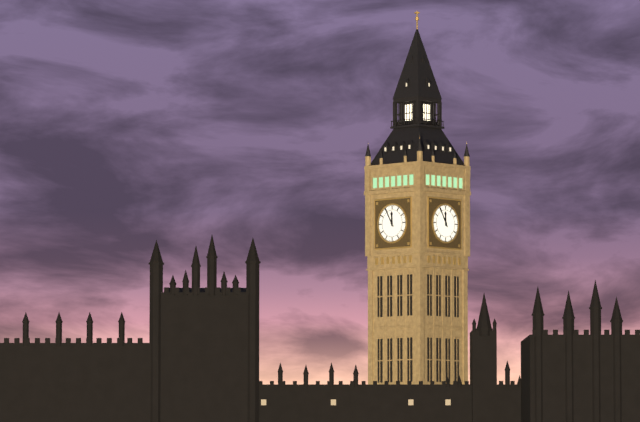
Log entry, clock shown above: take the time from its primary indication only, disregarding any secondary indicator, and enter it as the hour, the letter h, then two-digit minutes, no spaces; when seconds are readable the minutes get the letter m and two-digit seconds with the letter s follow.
11h55
